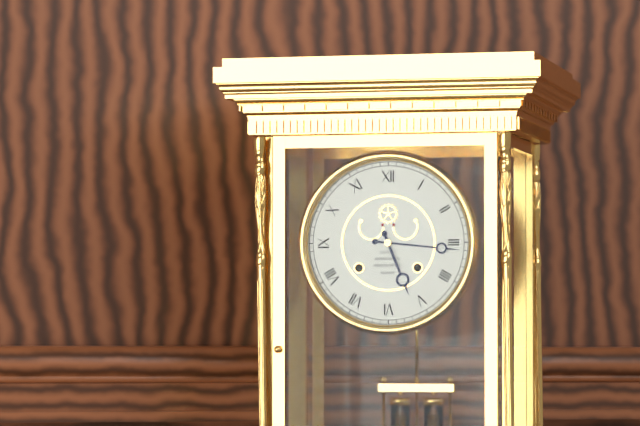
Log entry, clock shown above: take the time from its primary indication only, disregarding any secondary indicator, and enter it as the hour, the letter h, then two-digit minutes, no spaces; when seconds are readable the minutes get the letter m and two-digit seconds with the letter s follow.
5h16
